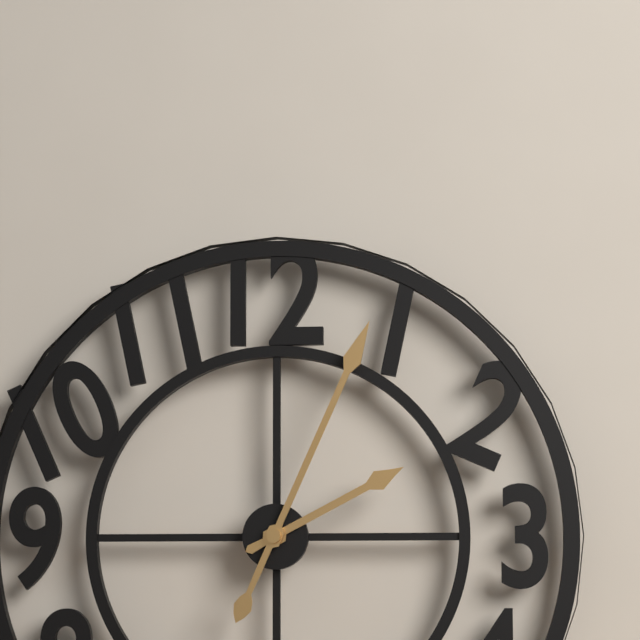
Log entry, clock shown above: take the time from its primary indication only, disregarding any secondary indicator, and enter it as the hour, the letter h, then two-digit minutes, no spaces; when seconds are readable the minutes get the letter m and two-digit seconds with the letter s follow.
2h04
